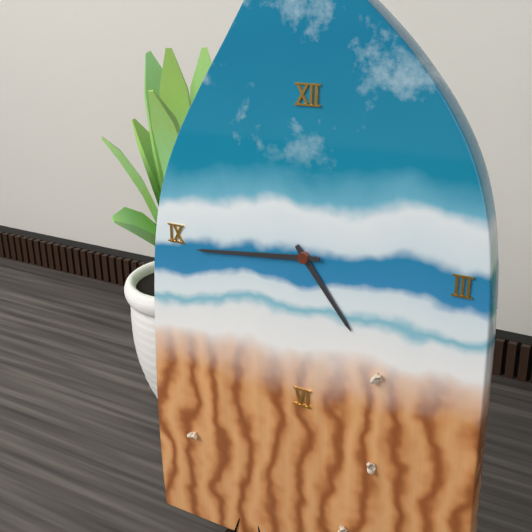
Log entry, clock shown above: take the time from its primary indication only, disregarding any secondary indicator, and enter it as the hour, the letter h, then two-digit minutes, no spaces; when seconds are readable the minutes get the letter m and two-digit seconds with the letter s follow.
4h44
